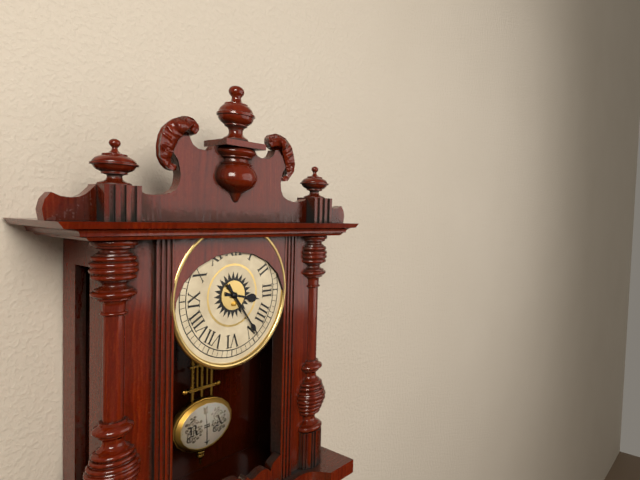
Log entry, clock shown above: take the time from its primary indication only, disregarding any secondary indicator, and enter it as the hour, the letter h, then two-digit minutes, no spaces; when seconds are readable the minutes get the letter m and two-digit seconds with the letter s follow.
3h24
